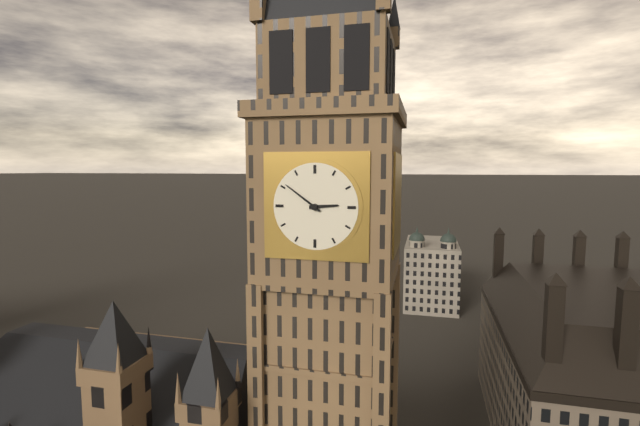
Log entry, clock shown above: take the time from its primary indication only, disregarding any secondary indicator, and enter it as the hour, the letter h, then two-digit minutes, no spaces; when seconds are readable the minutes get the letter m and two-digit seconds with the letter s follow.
2h51
